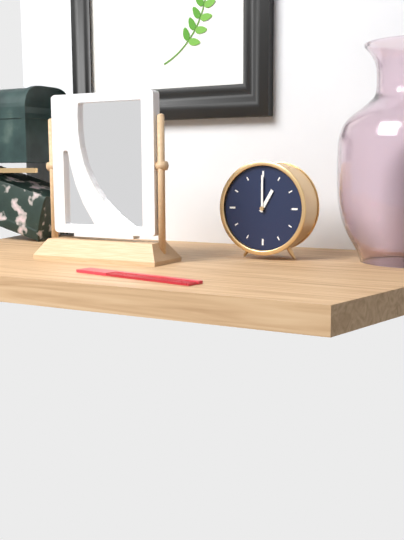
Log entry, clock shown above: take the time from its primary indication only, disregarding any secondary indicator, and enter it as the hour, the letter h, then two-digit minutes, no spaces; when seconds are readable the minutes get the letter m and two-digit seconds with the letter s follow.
1h00
